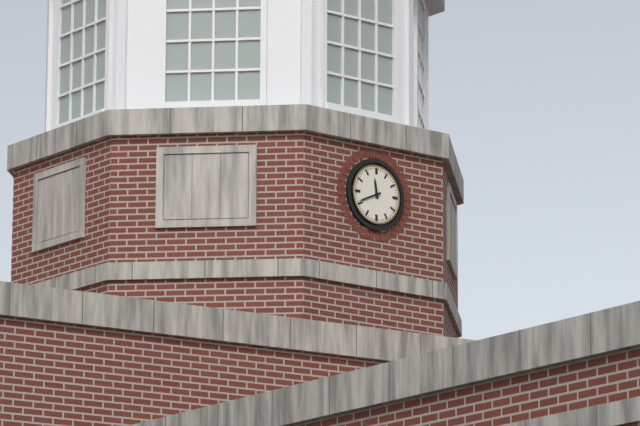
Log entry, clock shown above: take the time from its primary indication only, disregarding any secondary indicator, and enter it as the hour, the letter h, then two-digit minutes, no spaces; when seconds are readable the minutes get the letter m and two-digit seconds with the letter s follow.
11h41
